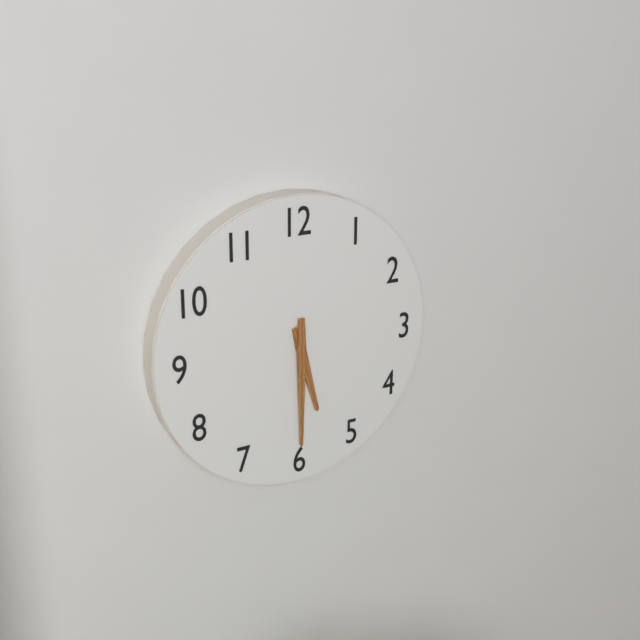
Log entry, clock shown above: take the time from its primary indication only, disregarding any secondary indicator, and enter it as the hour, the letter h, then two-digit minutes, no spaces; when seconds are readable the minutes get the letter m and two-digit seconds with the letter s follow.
5h30
